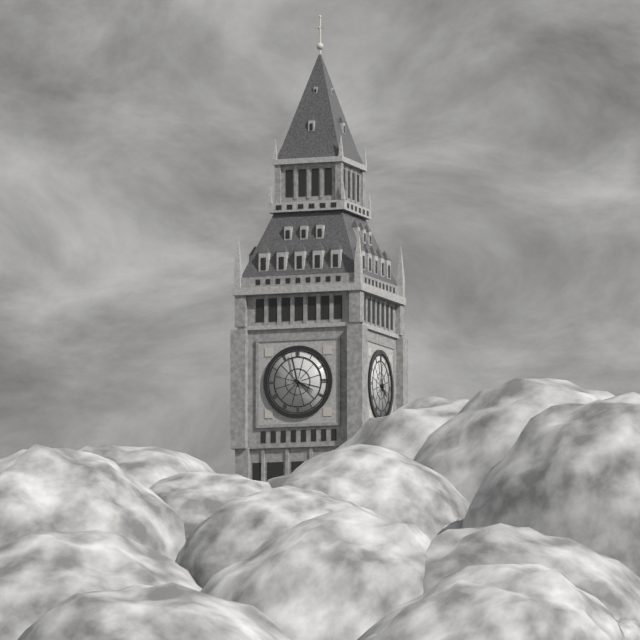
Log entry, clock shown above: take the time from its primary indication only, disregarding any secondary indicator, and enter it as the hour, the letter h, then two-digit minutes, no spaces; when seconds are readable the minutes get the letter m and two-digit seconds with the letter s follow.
3h58
